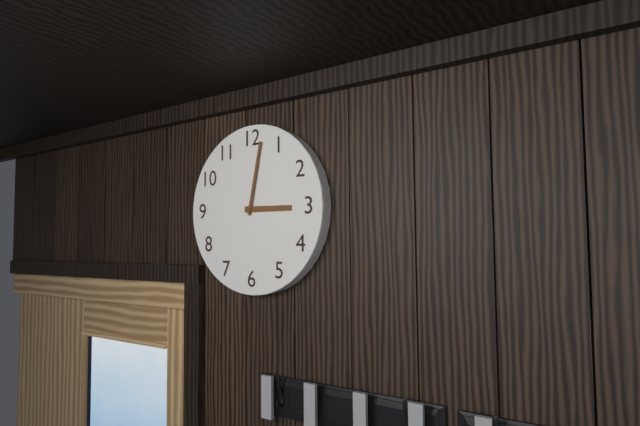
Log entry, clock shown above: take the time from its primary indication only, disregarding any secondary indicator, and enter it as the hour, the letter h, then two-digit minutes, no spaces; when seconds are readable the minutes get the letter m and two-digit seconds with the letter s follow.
3h02
